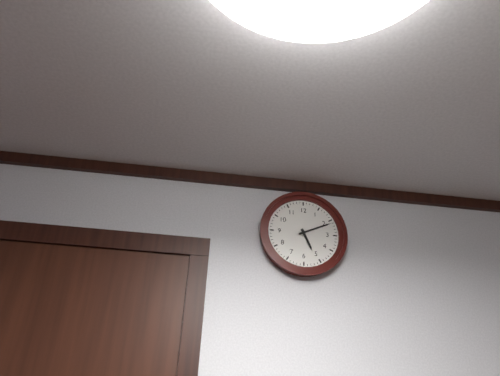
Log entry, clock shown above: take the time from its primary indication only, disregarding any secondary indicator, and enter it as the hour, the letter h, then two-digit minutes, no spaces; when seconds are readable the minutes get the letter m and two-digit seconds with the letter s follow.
5h11
